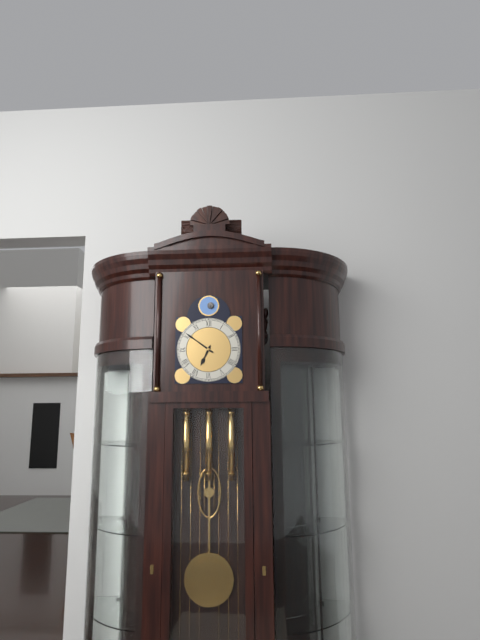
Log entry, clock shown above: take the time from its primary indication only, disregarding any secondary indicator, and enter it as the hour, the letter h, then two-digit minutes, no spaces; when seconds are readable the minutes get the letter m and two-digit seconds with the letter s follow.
6h51
